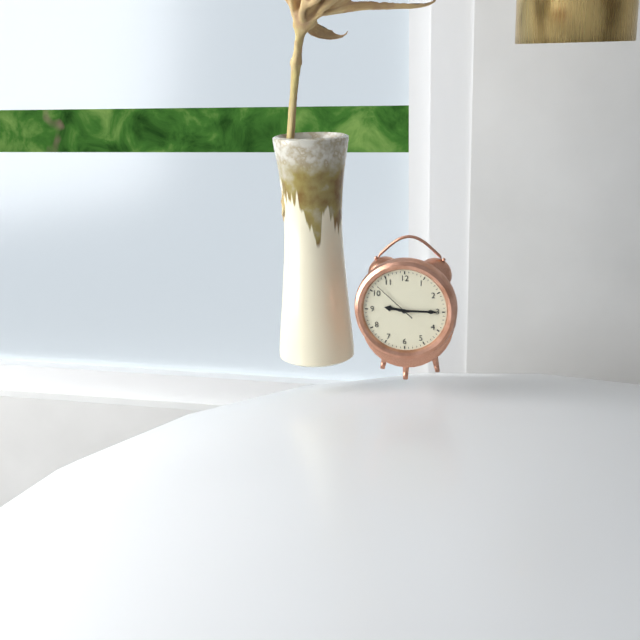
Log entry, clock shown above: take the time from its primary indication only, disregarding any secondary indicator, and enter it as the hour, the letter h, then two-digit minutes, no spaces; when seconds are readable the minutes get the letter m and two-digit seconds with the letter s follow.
9h15
